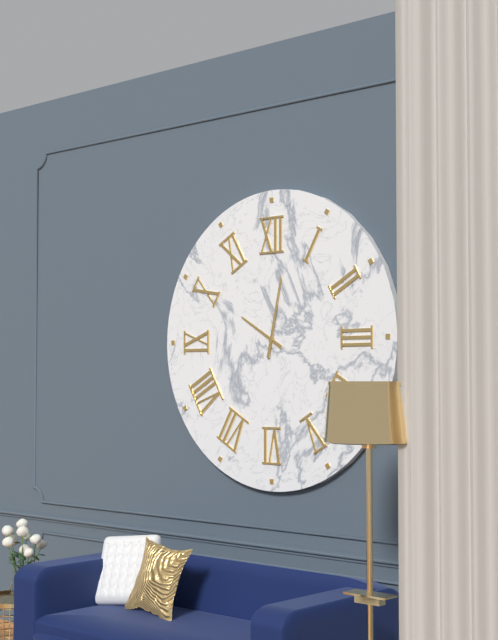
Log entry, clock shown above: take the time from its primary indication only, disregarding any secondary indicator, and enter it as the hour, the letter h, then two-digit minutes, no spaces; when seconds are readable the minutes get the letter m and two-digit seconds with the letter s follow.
10h02
